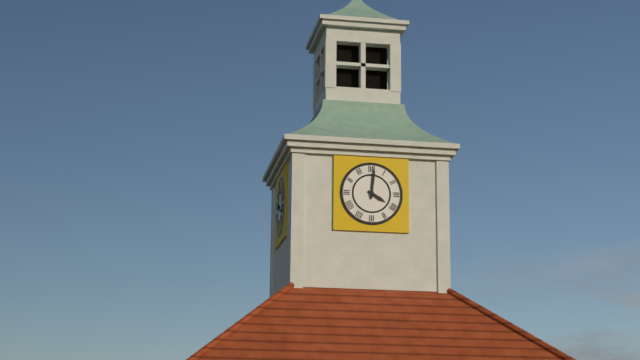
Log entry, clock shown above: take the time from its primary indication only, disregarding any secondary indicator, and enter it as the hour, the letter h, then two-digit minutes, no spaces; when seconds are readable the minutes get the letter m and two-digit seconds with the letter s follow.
4h01
